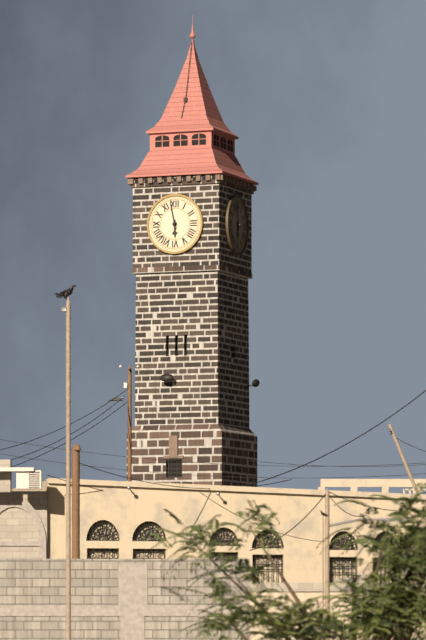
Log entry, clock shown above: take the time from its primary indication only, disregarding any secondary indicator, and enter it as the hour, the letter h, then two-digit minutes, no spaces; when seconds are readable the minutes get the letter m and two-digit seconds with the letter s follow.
5h58
